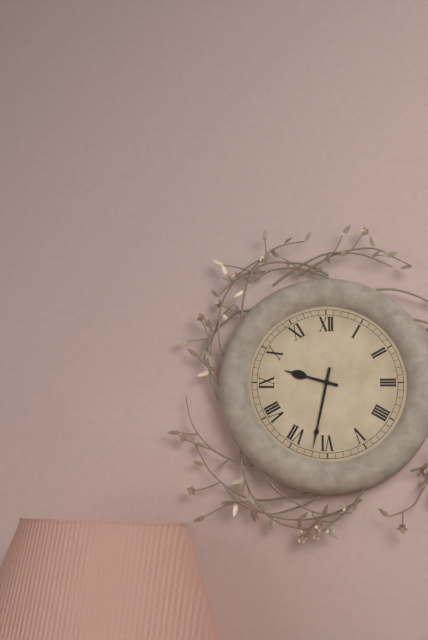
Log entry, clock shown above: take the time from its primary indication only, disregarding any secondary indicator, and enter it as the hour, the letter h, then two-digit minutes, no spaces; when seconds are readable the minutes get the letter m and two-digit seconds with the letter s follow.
9h32
